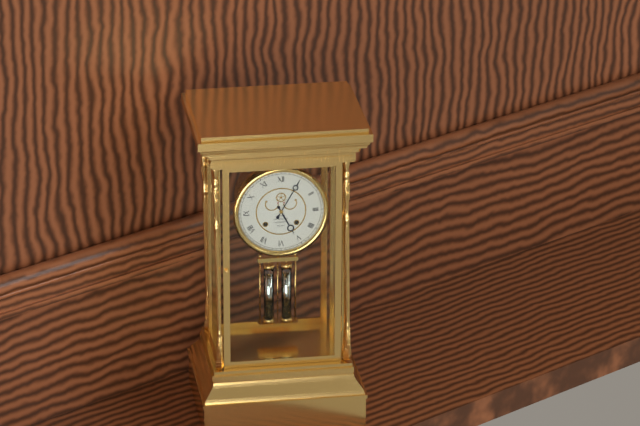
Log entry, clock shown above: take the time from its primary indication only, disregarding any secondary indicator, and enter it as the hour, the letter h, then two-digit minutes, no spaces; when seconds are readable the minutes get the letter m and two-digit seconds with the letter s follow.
5h05
